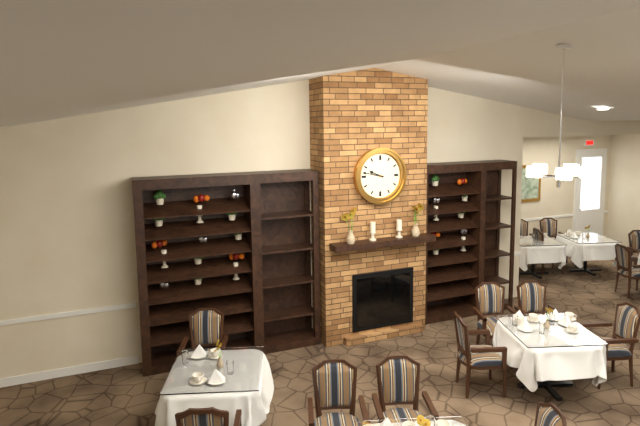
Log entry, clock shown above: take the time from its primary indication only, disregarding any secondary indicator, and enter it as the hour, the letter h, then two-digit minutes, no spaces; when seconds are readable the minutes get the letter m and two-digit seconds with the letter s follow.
9h47
